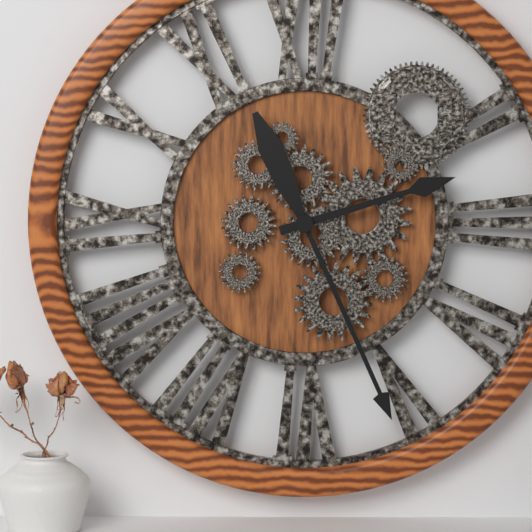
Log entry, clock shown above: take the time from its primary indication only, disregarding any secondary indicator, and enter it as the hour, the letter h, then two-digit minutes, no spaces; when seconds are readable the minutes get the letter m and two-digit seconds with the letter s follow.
2h26
